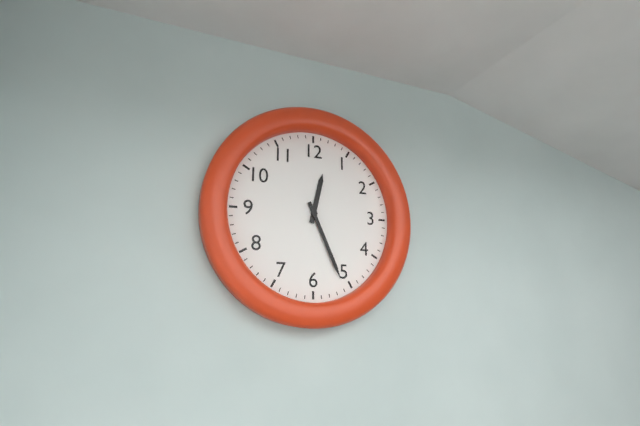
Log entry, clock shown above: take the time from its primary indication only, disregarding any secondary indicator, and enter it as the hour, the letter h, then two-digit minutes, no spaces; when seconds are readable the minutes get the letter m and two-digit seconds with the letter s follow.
12h26
